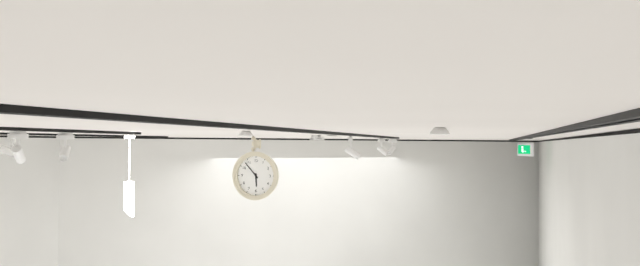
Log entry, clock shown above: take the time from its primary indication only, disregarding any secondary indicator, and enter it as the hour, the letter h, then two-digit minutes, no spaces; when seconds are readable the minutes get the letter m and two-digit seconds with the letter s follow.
5h53
